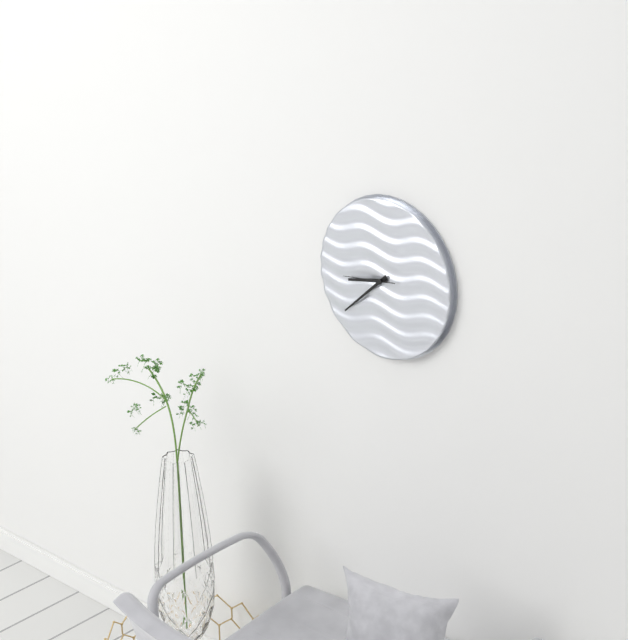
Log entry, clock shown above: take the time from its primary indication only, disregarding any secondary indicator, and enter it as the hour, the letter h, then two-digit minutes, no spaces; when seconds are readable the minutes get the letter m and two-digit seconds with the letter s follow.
8h38
